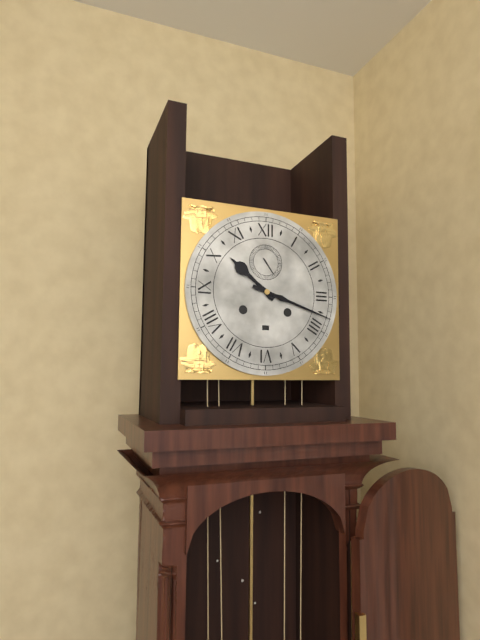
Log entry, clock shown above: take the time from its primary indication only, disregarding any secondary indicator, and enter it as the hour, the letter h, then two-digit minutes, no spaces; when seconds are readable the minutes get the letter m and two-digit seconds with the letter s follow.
10h18
